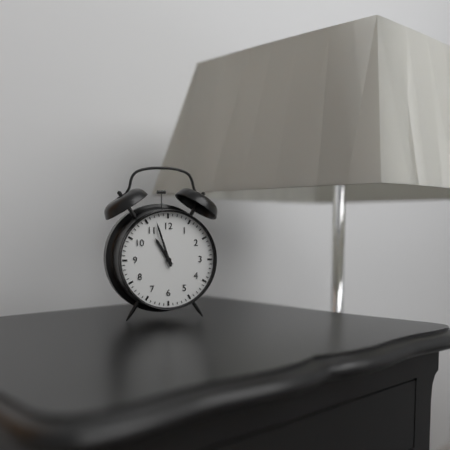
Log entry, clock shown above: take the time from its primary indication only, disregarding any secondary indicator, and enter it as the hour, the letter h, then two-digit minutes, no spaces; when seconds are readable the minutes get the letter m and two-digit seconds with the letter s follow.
10h57
